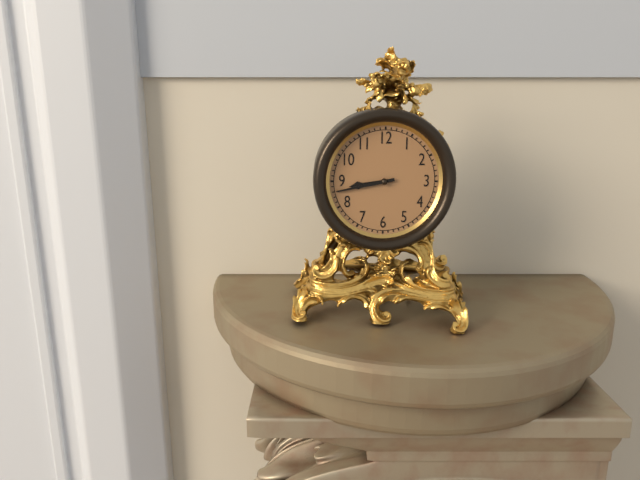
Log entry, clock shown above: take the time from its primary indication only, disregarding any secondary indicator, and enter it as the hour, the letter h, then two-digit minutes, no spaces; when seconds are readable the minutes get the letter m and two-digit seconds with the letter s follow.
8h43
